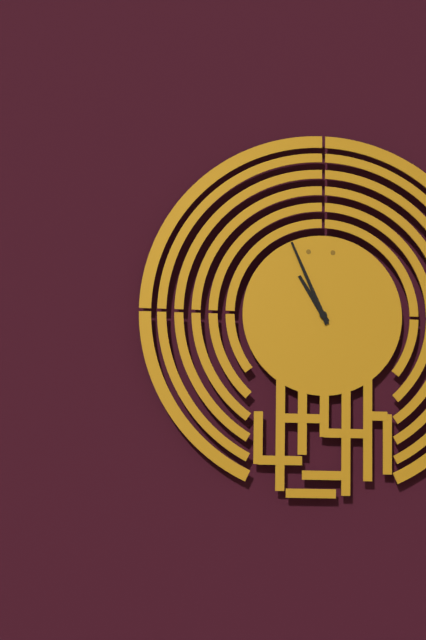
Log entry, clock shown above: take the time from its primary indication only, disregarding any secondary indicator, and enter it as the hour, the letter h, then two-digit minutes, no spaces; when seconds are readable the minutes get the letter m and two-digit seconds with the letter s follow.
10h56
